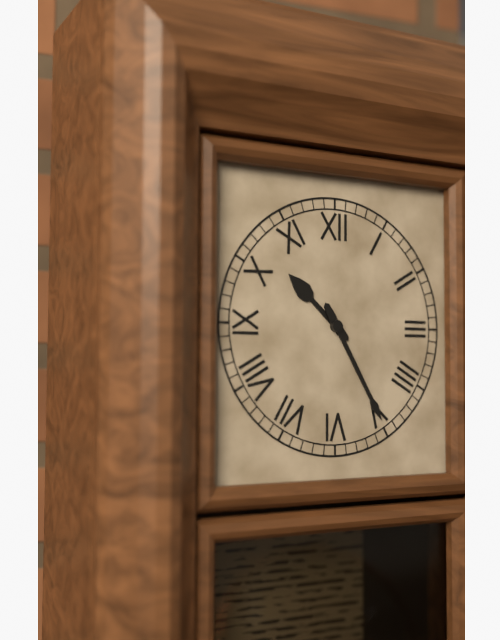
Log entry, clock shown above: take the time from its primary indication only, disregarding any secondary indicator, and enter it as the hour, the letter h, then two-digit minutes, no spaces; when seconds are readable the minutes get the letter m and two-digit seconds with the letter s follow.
10h25
